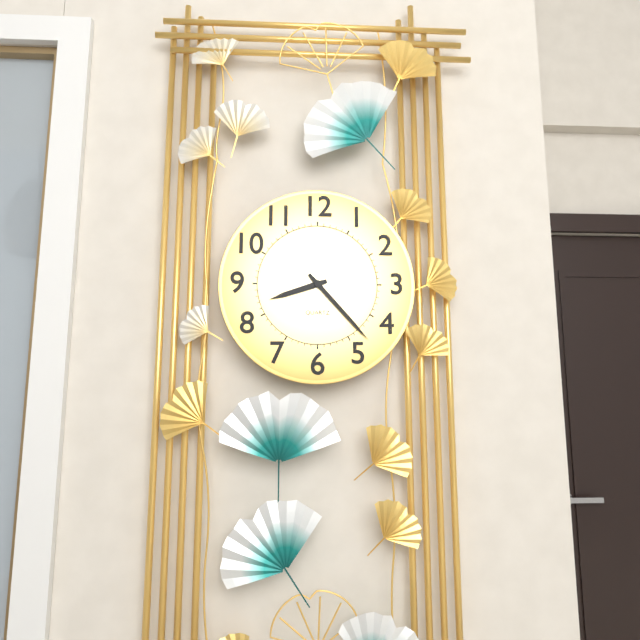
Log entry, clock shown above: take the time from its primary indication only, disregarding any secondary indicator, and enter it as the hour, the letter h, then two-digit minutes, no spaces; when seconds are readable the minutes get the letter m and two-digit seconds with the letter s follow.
8h23
